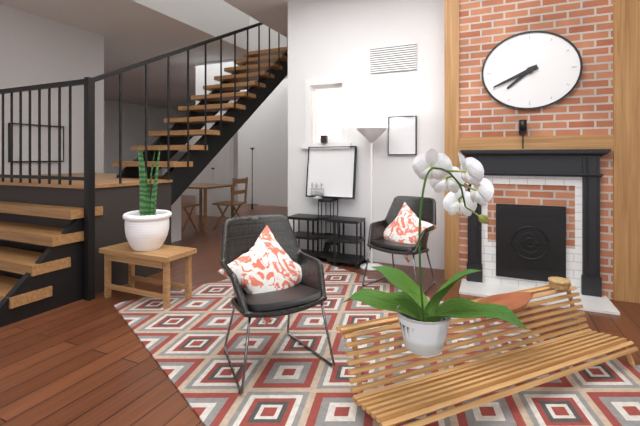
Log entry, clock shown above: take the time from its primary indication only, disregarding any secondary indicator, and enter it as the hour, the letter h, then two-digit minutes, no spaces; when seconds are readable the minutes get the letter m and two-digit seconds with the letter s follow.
7h41
